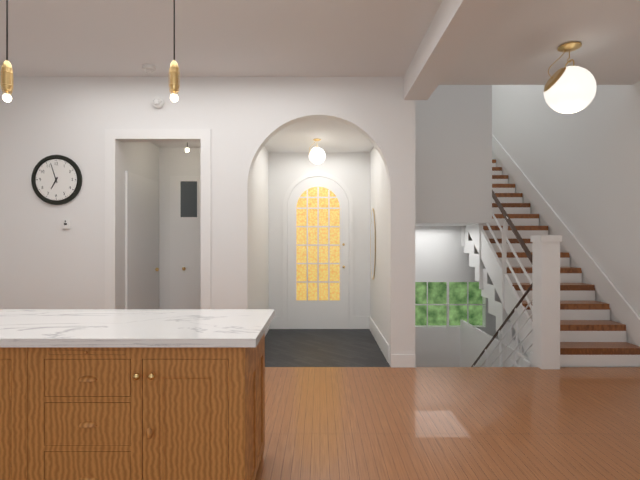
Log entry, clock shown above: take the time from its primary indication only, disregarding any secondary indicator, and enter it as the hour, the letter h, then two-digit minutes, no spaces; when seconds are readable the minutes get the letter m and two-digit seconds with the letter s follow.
6h57
